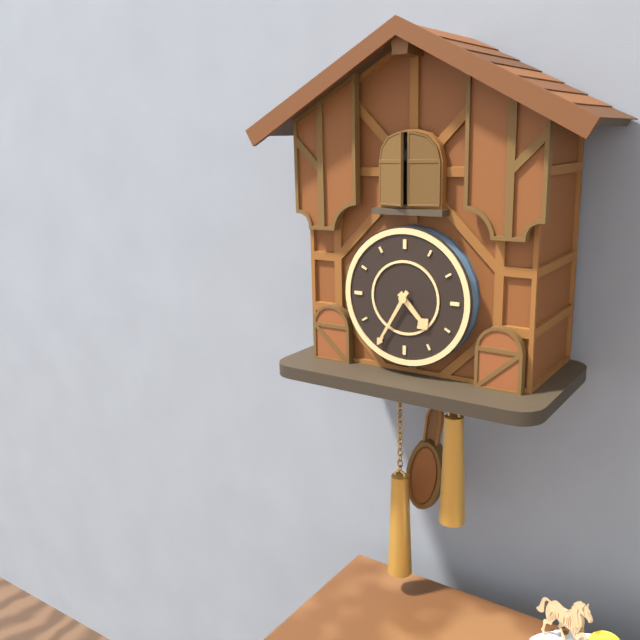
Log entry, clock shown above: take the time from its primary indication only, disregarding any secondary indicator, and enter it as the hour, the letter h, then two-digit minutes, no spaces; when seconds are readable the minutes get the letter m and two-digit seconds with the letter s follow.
4h35
